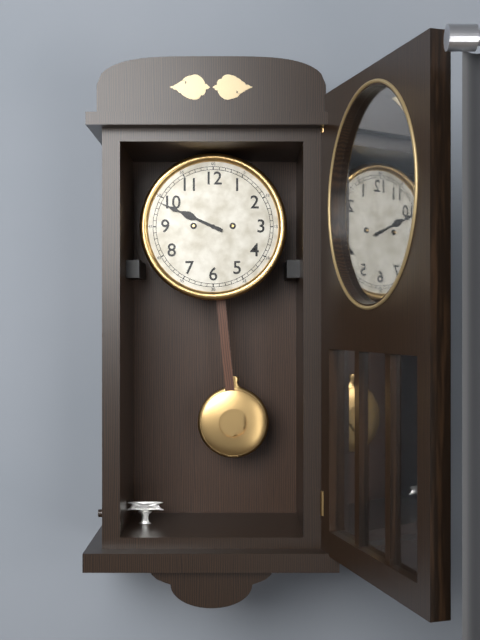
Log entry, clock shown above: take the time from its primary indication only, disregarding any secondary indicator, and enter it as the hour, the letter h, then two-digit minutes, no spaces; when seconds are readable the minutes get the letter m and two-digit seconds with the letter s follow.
9h49
